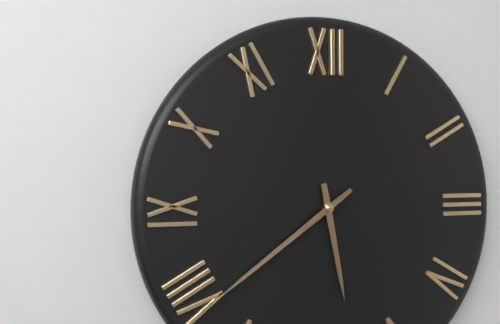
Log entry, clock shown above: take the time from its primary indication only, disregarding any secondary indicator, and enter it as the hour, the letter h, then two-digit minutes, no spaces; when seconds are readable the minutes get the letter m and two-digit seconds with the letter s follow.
5h39
